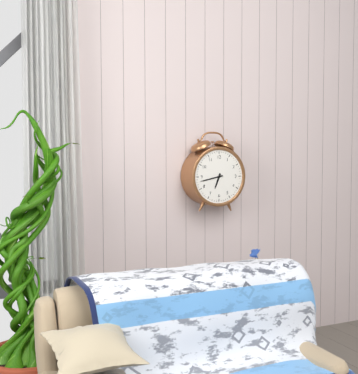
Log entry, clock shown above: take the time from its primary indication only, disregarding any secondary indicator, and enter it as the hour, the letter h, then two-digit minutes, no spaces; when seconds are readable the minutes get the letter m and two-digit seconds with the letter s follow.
6h43
